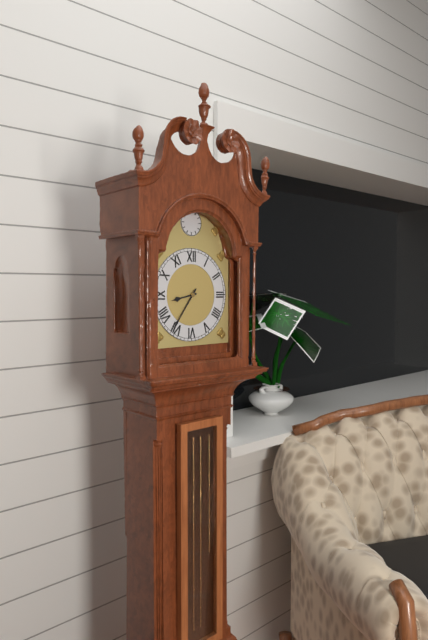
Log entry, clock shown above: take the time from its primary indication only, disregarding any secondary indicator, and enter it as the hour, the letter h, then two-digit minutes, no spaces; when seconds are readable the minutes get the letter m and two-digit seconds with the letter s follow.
8h36
